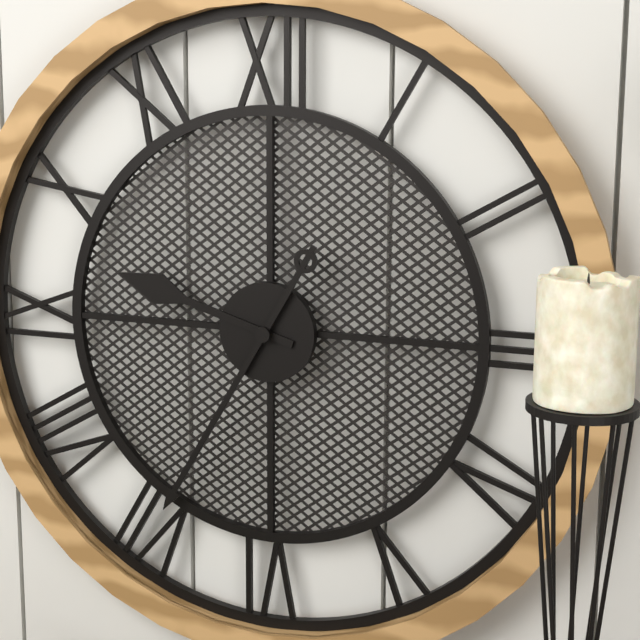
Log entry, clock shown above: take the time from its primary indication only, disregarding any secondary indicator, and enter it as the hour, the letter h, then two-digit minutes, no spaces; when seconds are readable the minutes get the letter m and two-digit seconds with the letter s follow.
9h35
